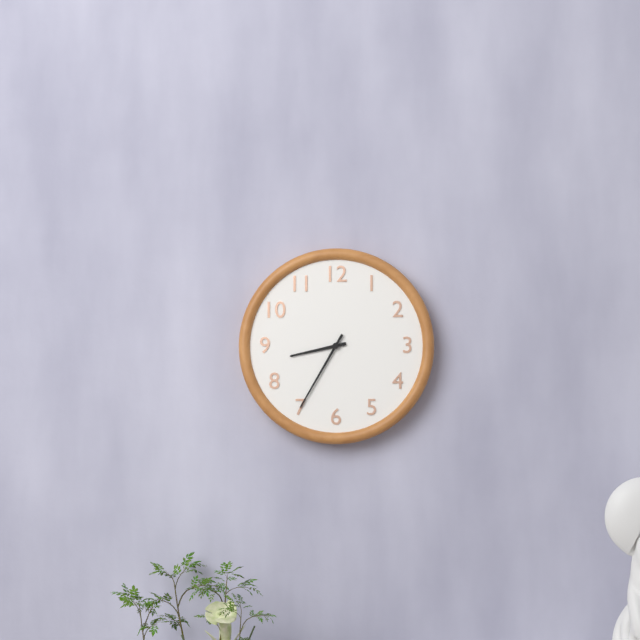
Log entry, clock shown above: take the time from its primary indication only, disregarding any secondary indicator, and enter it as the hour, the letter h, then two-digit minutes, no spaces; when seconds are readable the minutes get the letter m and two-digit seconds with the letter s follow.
8h35
